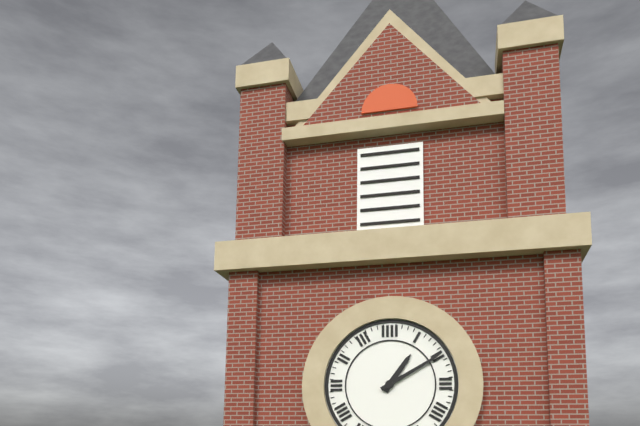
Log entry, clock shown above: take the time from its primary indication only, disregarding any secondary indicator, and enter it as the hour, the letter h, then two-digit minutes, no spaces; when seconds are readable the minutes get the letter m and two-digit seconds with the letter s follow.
1h10
